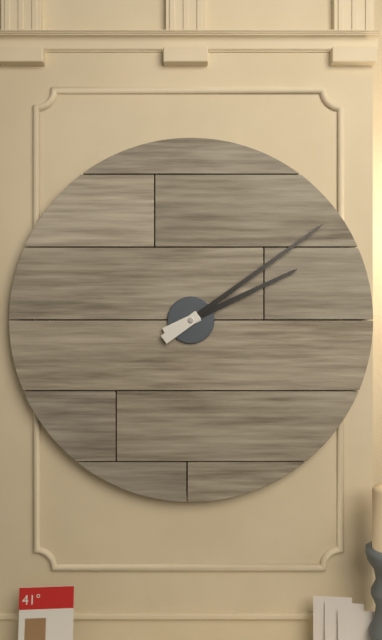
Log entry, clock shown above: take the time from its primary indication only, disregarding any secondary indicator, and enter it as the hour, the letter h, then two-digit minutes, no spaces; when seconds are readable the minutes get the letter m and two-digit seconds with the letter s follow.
2h09
